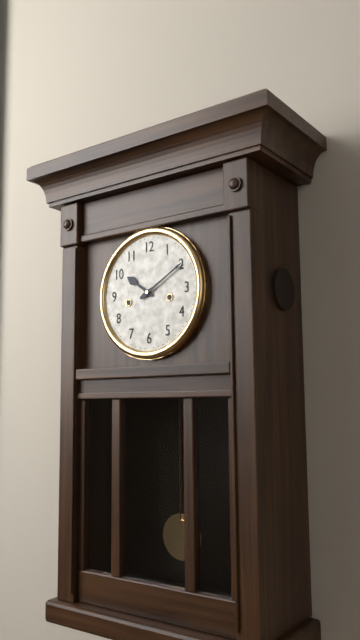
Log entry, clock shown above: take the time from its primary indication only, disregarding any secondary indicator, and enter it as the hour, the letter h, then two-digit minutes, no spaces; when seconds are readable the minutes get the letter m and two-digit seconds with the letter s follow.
10h10
